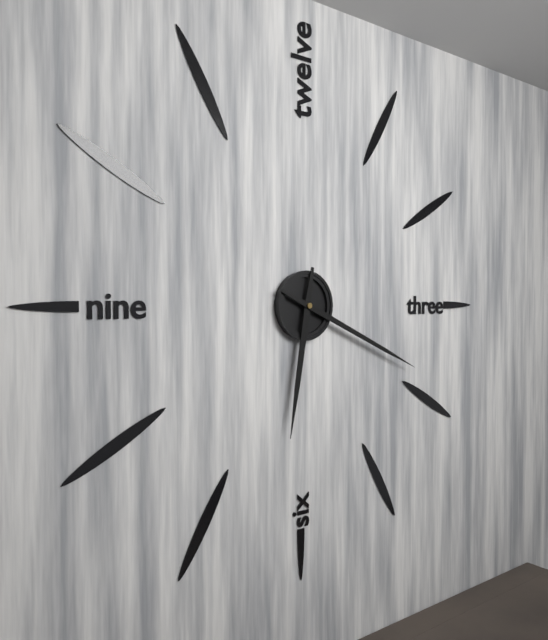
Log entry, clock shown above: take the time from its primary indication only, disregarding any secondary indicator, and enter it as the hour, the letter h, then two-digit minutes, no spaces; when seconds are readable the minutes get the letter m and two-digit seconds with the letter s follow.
6h19
